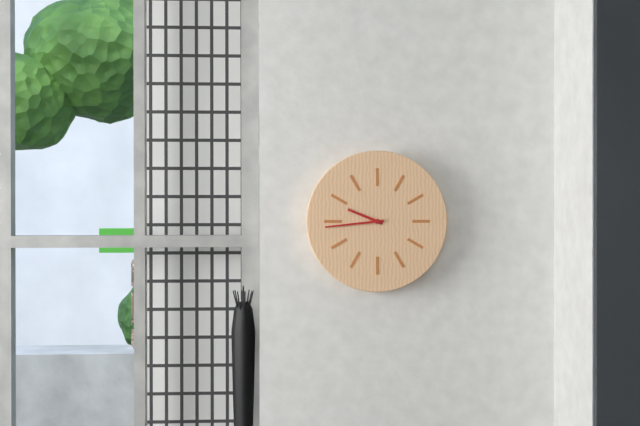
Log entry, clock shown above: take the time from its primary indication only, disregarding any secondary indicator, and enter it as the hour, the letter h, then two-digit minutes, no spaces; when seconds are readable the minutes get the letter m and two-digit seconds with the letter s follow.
9h44
